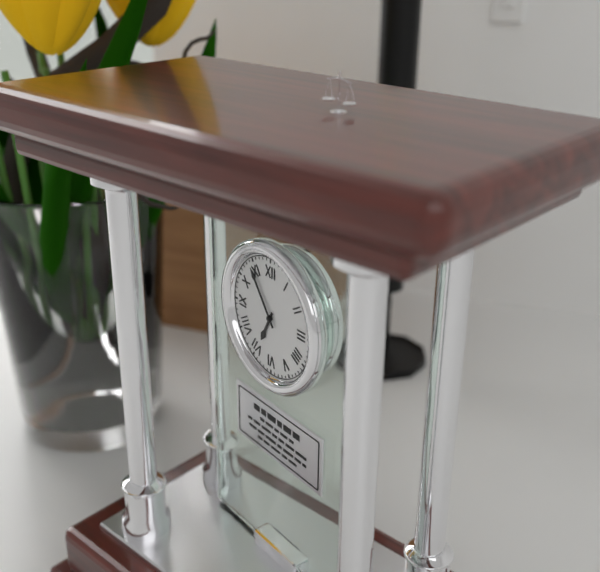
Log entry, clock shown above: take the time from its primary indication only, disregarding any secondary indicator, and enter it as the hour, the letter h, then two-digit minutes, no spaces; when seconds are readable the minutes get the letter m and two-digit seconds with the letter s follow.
6h54
